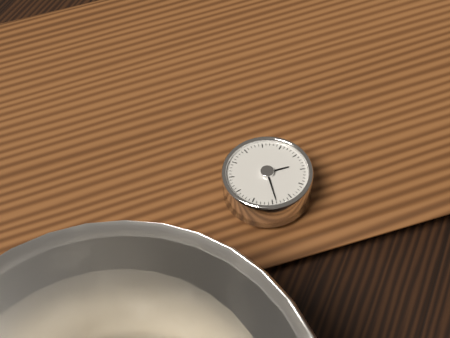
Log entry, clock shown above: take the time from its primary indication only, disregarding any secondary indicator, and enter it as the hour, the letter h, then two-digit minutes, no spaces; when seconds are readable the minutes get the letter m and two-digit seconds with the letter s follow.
4h39
